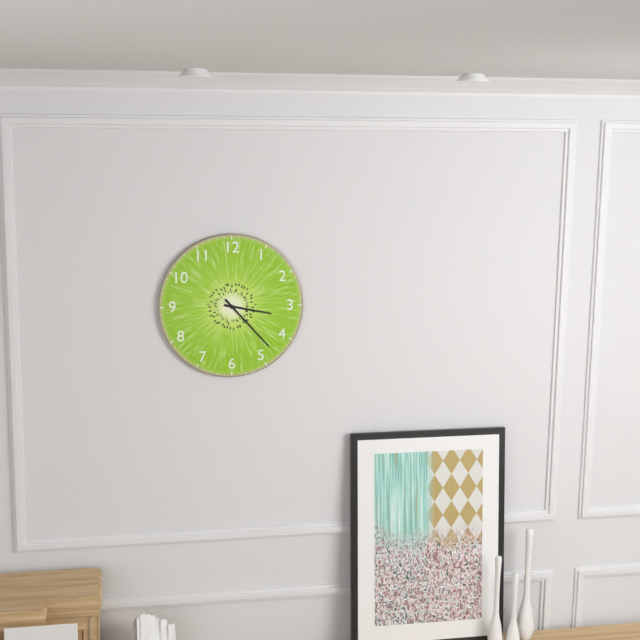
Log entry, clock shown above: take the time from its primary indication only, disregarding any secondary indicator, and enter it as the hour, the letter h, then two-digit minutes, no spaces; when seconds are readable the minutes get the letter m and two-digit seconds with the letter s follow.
3h23
